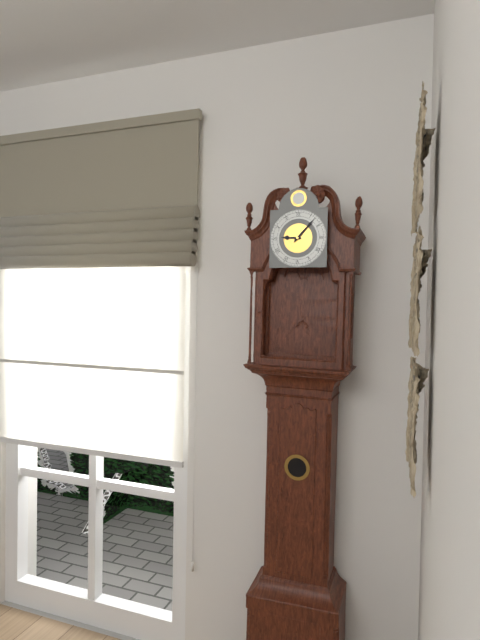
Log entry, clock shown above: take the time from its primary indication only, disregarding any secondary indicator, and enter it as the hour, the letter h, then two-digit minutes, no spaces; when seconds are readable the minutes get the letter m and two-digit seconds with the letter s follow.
9h07
